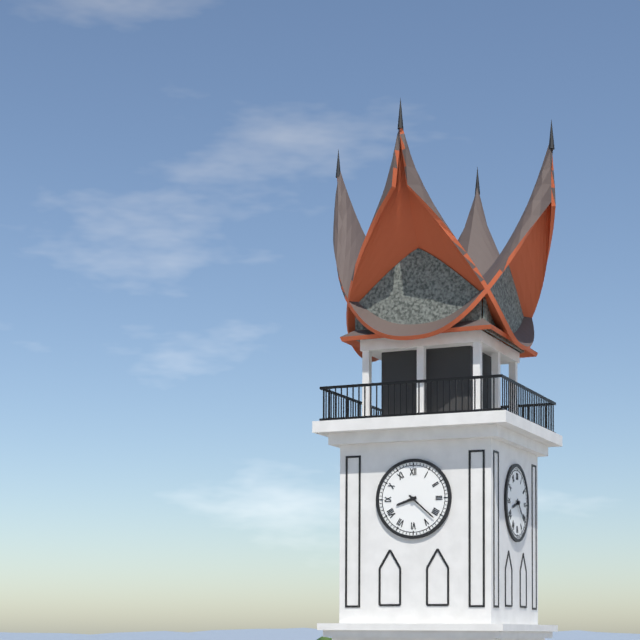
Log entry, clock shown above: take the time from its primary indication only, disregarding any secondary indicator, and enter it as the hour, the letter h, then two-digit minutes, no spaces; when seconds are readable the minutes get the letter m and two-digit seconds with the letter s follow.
8h22
